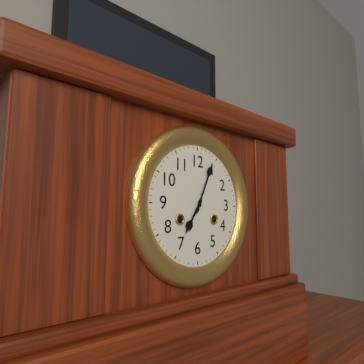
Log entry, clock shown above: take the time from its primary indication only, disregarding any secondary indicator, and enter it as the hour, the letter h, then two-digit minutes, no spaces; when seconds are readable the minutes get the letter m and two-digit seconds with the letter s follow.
7h04
